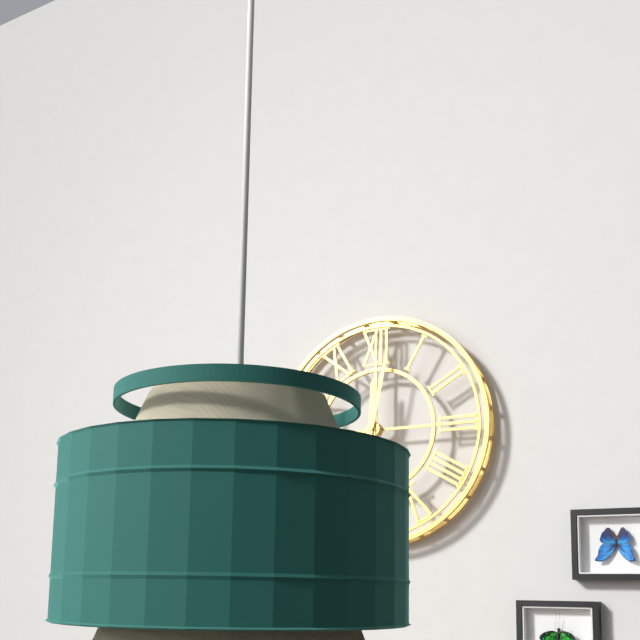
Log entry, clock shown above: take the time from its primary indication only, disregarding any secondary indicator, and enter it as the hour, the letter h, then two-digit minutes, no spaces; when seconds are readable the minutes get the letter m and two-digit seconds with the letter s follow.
12h02
